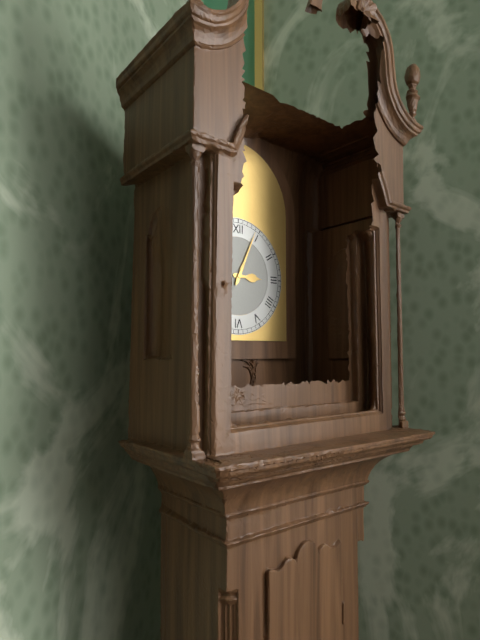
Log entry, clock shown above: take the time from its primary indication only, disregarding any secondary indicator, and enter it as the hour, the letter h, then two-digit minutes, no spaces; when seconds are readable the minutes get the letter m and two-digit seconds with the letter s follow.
3h04
